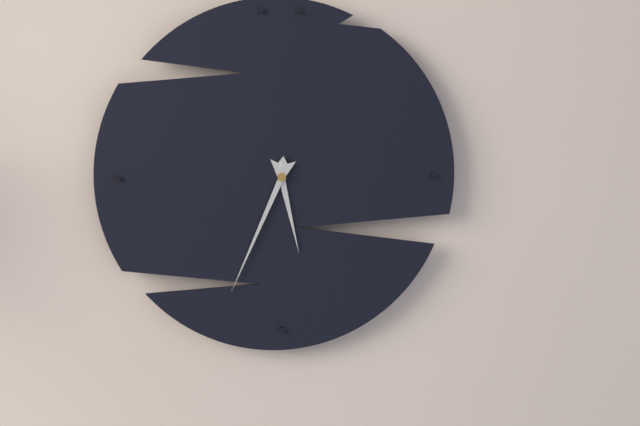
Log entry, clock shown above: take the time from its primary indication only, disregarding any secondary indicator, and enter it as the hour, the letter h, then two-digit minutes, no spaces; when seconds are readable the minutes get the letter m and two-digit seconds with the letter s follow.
5h34
